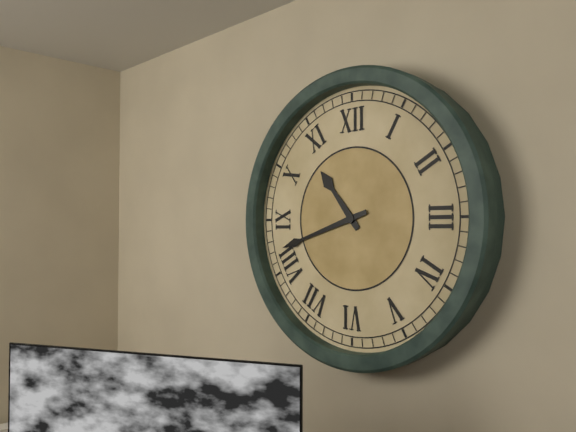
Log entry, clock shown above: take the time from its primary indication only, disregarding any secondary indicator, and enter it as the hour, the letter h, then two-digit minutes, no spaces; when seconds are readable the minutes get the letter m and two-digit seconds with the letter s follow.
10h42
